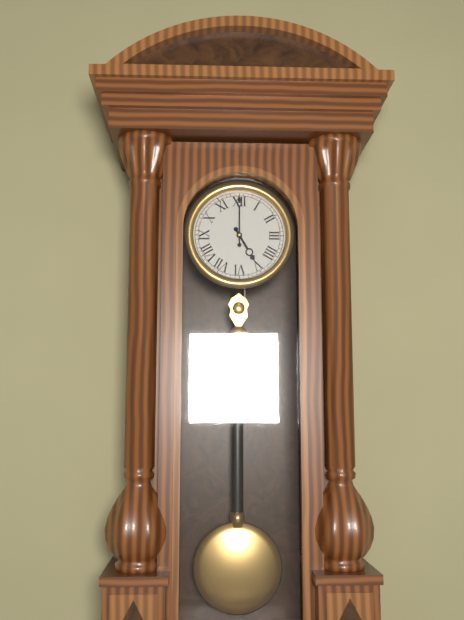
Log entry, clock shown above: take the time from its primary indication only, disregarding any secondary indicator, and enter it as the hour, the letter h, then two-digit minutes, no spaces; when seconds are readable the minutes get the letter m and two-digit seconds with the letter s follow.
5h00
